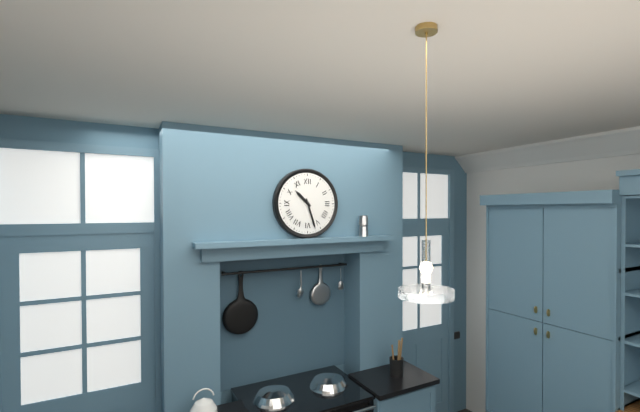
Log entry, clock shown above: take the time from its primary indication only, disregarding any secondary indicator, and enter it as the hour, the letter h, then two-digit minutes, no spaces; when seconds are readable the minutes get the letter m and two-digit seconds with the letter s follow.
10h27
